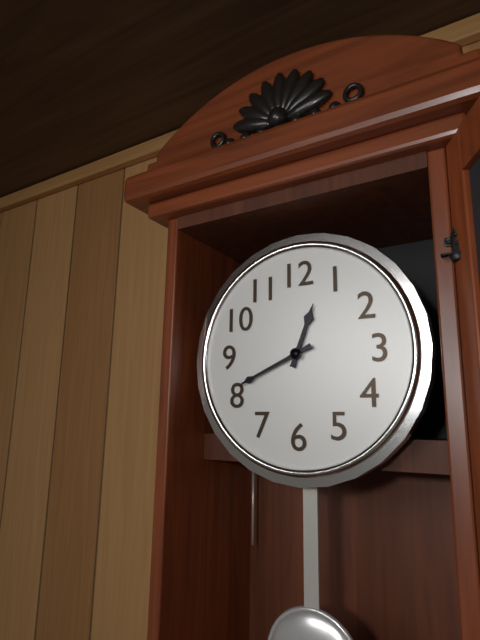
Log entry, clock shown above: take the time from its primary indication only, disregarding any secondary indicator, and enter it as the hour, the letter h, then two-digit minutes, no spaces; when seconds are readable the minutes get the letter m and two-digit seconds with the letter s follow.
12h41
